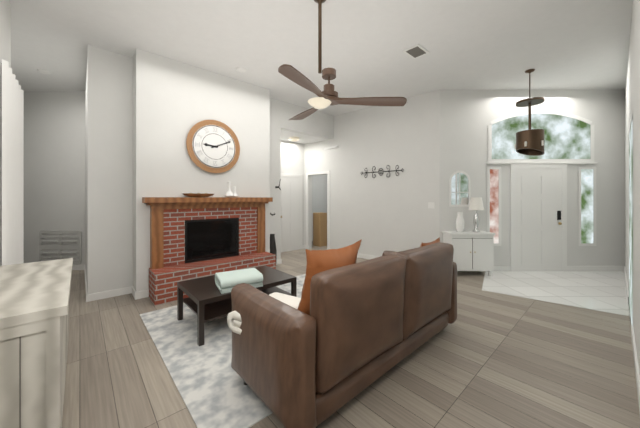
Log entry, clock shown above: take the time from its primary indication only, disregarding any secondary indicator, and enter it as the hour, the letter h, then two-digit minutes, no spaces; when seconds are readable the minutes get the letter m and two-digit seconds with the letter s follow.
9h11
